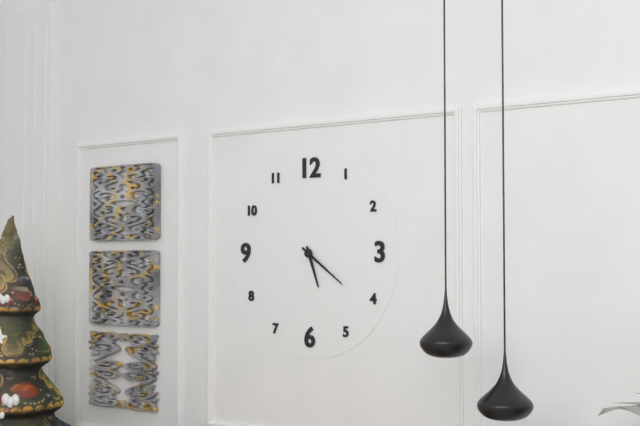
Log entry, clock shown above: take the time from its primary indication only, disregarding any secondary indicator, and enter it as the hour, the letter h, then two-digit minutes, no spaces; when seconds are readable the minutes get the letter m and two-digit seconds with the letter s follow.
5h21
